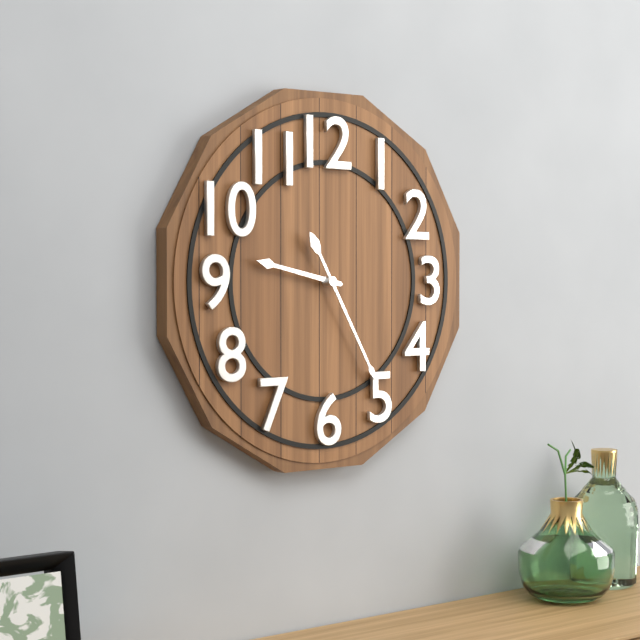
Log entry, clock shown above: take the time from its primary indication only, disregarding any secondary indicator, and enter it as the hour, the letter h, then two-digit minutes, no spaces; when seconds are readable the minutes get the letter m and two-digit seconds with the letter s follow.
9h25
